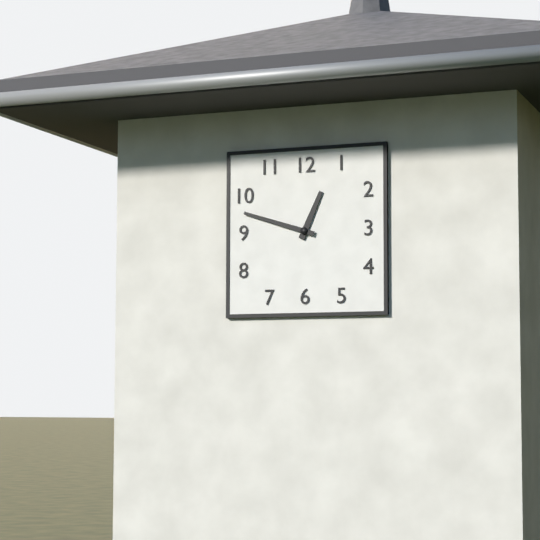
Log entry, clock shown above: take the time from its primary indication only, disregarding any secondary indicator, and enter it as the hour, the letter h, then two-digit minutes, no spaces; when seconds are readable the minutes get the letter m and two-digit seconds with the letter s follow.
12h48
